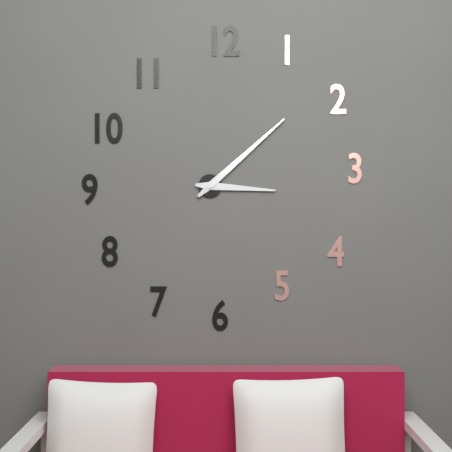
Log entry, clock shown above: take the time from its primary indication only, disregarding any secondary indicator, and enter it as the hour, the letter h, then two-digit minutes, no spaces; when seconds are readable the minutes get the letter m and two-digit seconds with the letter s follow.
3h08
